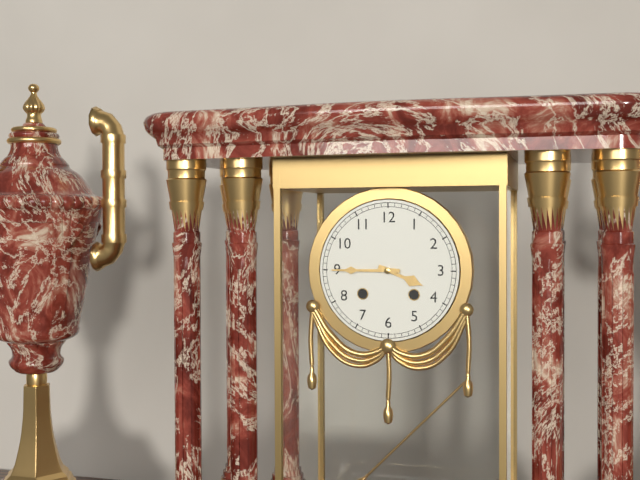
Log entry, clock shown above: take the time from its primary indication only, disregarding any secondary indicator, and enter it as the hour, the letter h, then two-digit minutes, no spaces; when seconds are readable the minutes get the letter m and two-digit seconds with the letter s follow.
3h45
